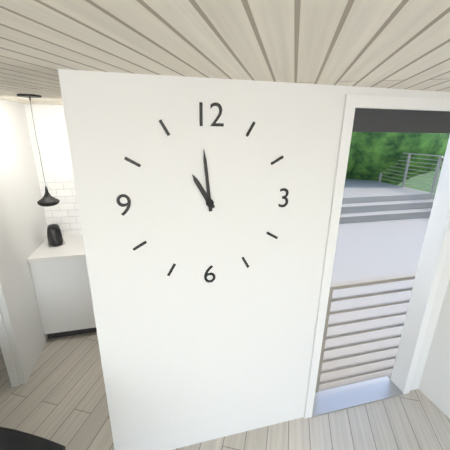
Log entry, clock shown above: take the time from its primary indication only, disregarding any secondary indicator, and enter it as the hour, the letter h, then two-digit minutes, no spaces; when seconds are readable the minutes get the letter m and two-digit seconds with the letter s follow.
10h59
